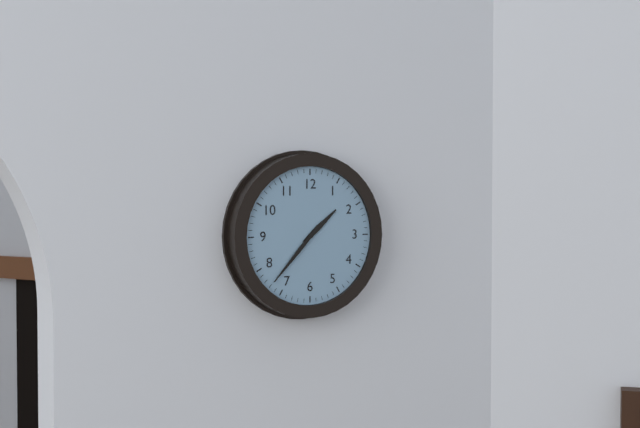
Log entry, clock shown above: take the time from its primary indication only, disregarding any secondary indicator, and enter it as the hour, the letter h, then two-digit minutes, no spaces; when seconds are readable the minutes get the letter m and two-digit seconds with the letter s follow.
1h37
